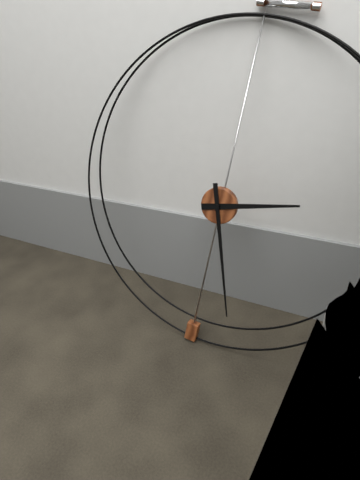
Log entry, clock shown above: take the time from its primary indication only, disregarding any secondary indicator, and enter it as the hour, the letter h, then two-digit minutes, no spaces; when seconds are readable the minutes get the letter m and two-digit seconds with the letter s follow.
2h27
